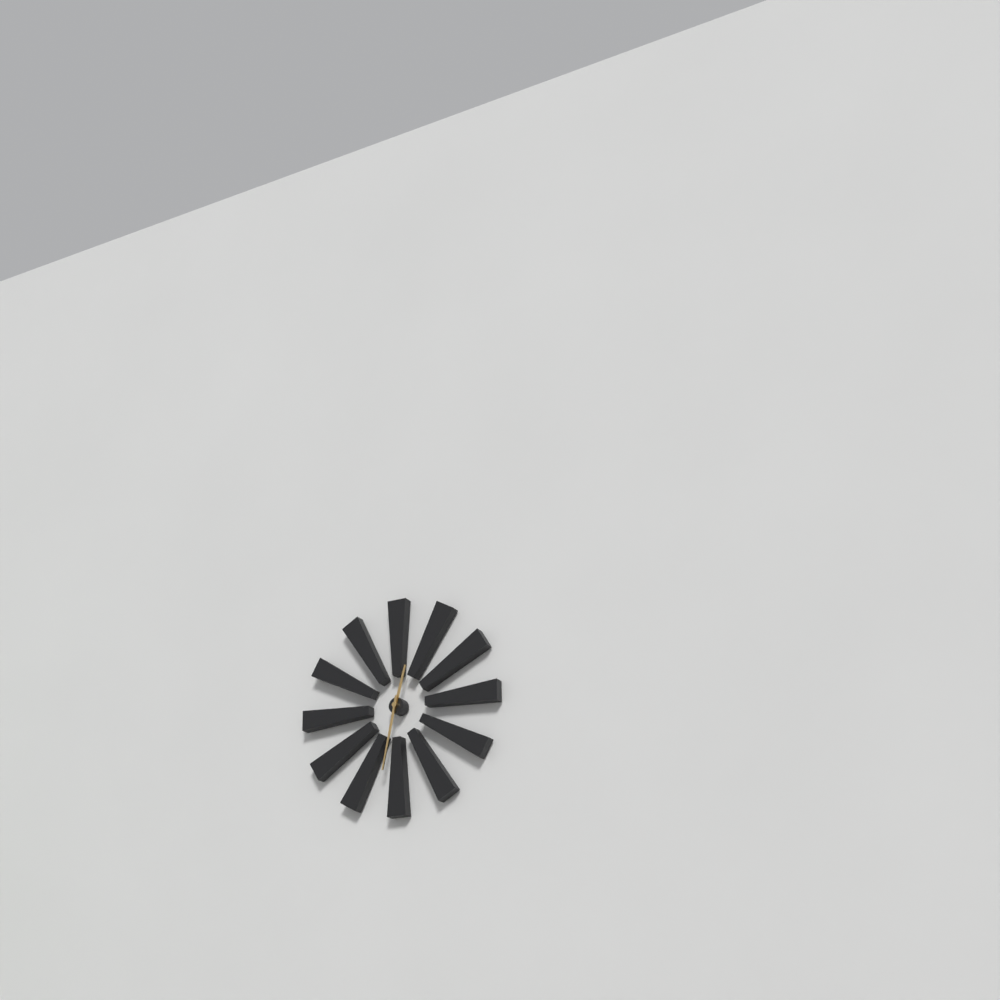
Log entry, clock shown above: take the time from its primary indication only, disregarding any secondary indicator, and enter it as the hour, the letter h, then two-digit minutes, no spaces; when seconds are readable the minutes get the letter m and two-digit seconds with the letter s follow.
12h32
